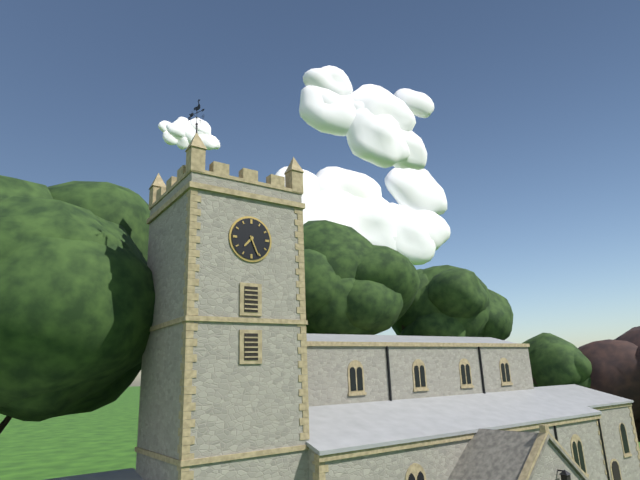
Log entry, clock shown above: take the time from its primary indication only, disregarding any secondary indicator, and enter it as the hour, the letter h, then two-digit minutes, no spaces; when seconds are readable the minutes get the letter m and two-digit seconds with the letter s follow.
7h26
